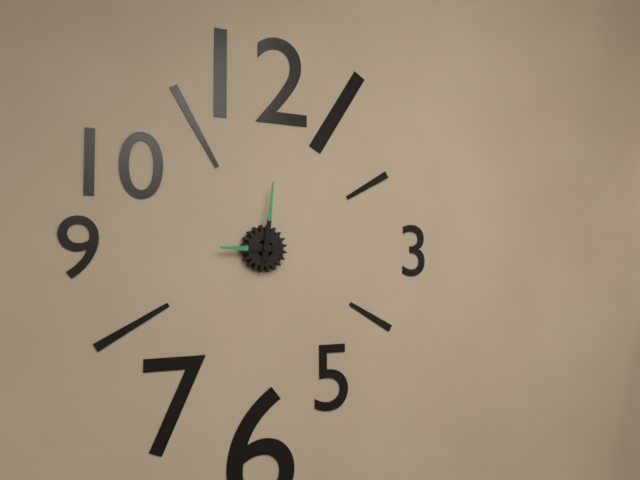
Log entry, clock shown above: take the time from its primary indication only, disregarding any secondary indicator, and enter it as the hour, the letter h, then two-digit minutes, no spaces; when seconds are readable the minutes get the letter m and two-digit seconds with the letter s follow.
9h01
